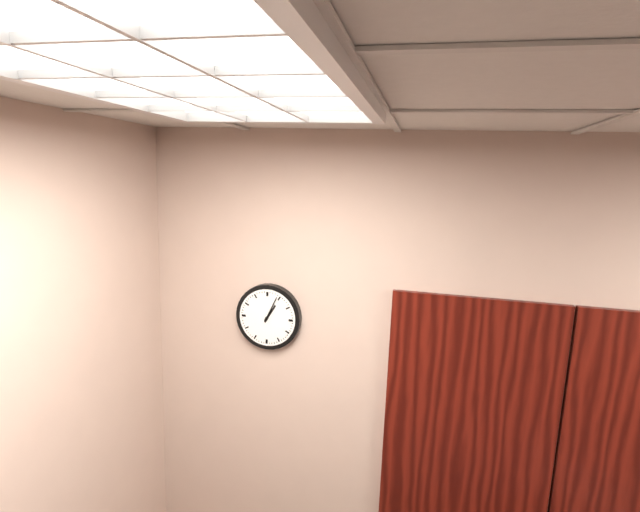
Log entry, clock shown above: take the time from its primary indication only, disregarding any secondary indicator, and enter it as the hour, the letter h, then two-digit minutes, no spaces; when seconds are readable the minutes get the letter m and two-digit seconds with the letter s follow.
1h04
